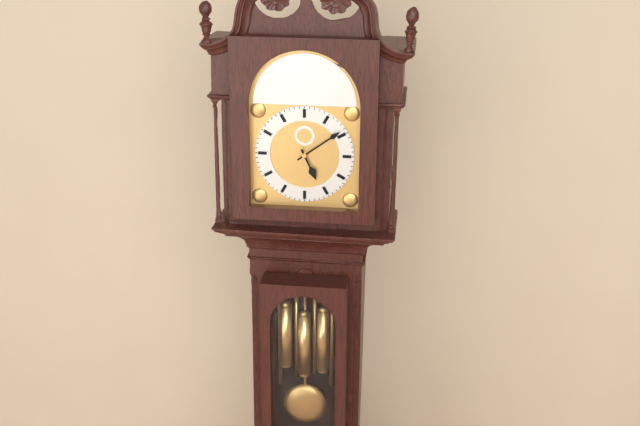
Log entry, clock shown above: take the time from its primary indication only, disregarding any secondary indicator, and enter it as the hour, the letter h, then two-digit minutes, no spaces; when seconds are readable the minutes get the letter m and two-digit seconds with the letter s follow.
5h09
